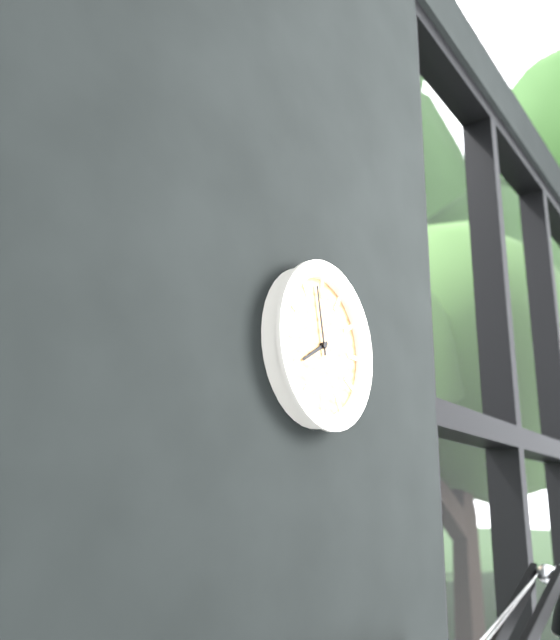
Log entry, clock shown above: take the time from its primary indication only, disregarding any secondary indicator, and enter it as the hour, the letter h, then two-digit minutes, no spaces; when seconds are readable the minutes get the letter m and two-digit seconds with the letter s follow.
7h58
